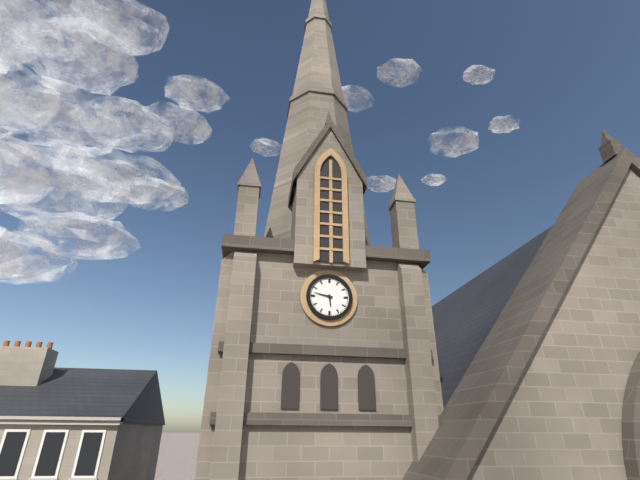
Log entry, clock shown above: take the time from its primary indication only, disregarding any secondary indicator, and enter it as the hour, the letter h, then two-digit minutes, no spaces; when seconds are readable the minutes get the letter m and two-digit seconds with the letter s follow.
5h47
